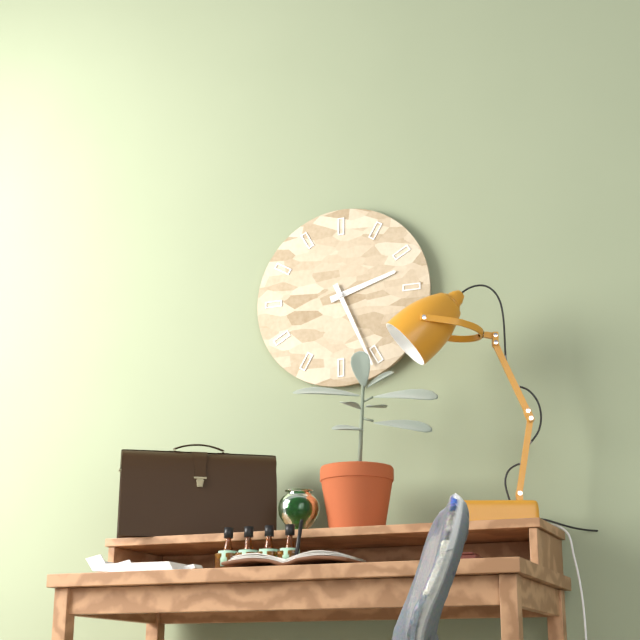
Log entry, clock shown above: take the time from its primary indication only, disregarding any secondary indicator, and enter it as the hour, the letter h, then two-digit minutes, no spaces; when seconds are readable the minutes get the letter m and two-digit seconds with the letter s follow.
2h26
